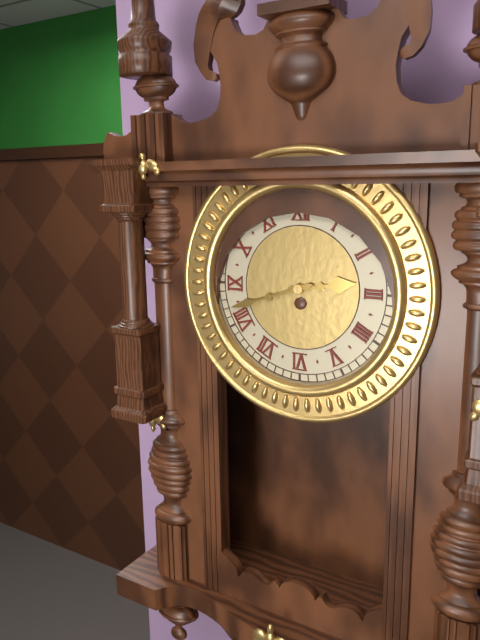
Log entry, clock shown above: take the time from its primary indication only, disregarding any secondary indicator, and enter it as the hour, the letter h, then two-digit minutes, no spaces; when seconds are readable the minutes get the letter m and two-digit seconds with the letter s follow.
2h42
